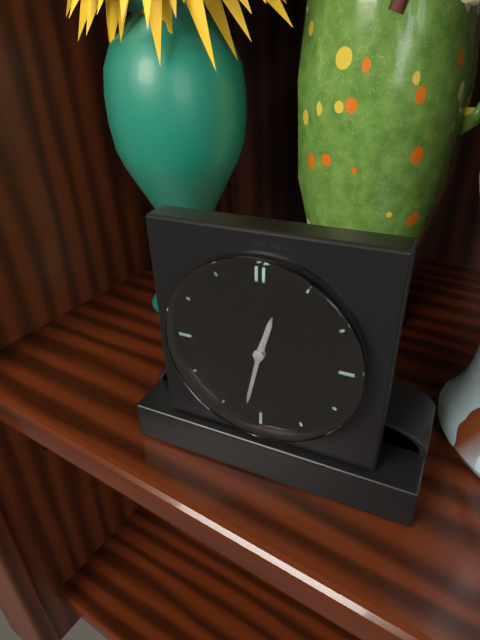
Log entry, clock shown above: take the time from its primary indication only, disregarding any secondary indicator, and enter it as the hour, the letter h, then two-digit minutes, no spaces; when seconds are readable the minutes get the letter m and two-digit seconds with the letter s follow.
12h32
